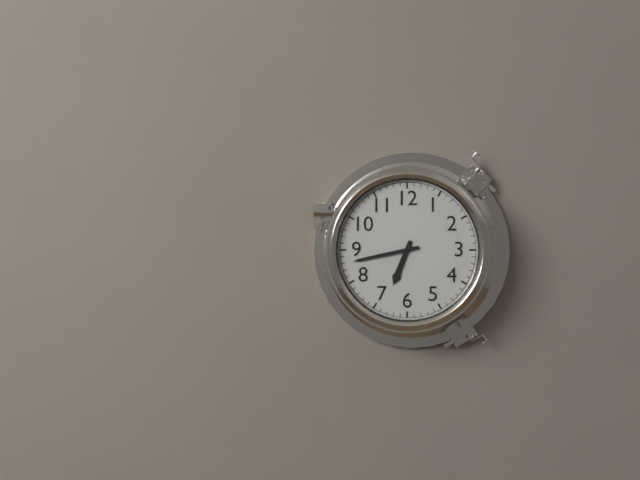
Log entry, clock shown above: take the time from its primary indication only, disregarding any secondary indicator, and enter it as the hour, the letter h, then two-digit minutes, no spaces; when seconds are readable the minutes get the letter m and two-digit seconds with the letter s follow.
6h43
